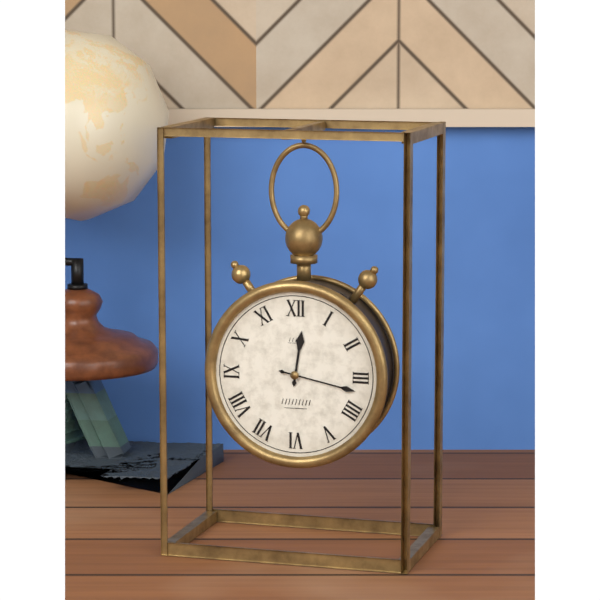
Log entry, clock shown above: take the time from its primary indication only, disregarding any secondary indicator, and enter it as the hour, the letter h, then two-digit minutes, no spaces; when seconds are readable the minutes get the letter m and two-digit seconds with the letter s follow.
12h17
